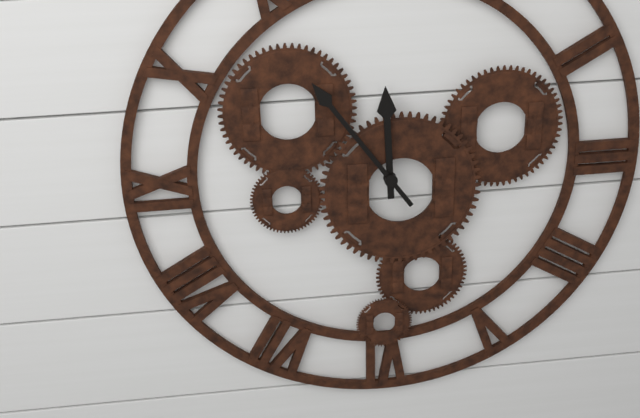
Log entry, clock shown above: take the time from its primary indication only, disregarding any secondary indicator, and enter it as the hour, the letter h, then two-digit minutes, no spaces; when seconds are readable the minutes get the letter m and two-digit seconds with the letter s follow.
11h54
